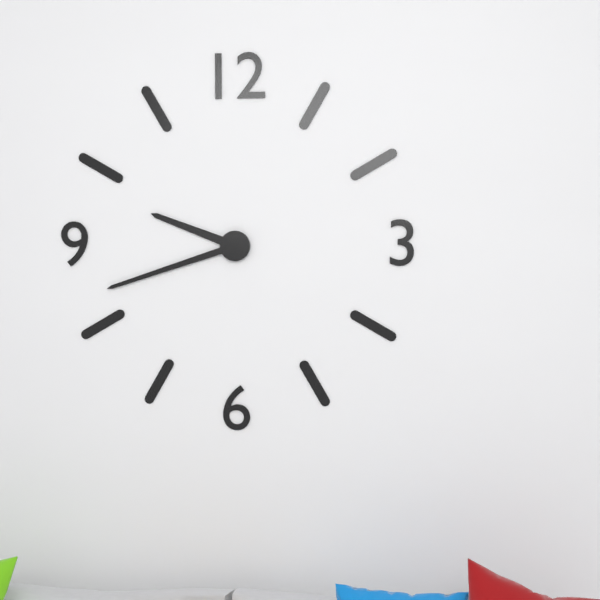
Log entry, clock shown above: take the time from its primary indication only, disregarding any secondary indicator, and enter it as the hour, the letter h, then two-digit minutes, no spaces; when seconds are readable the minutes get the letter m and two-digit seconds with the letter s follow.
9h42
